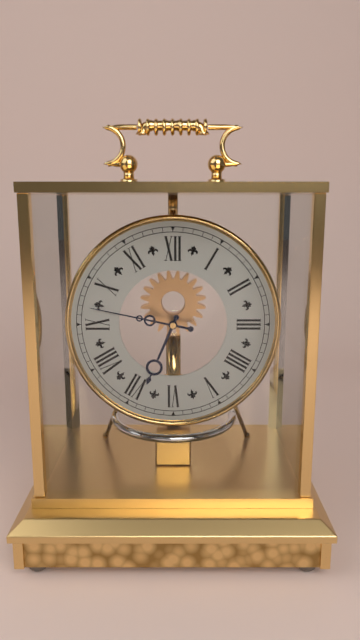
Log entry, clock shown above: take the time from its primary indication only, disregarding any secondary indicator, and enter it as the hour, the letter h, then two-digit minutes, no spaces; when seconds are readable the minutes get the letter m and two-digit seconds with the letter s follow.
6h47
